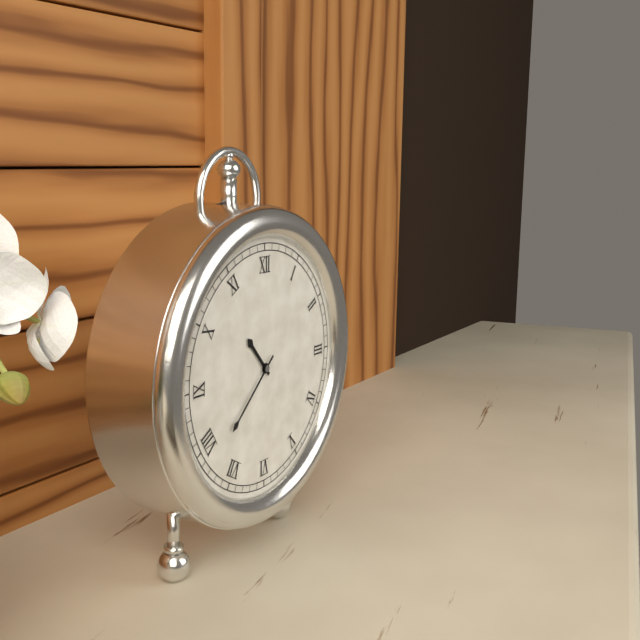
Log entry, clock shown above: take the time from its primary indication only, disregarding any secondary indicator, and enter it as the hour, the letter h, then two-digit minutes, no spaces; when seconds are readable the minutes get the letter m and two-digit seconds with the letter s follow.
10h38
